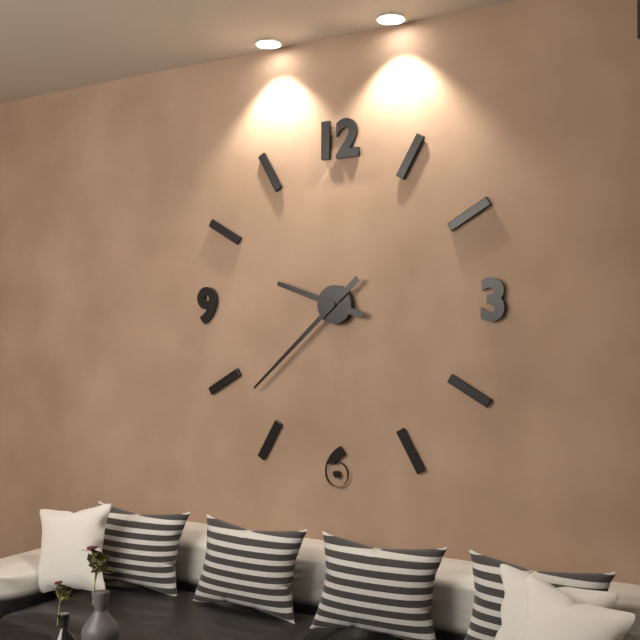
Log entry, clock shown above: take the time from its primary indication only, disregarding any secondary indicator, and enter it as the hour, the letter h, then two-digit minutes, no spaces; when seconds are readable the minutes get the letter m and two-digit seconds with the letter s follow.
9h38
